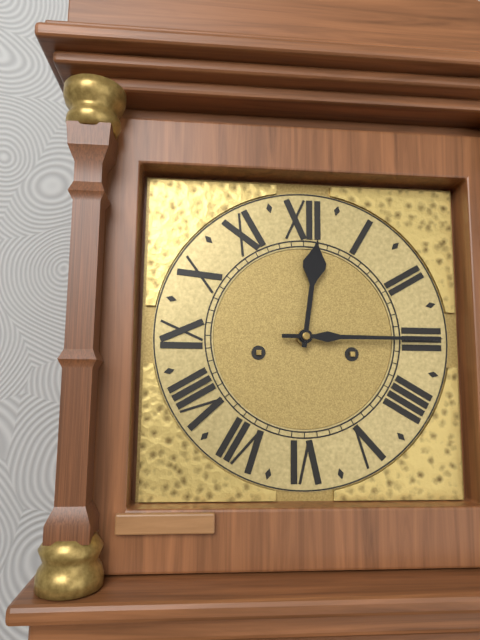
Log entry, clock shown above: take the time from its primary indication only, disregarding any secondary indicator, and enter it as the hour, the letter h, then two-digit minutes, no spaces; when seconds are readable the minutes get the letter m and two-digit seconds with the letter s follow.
12h15
